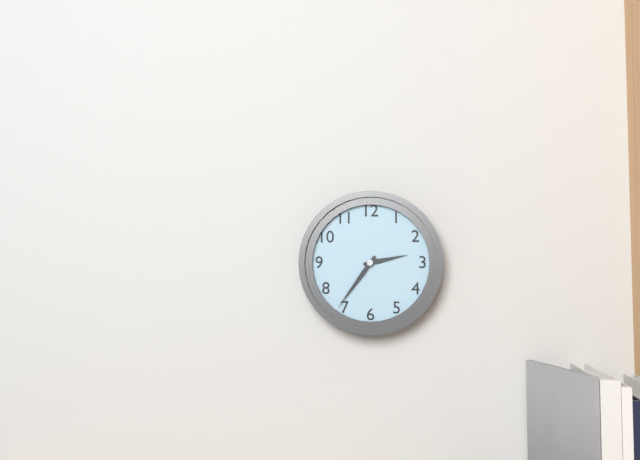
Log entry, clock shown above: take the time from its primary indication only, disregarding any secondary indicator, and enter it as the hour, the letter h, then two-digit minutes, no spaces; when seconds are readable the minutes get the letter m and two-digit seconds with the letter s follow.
2h36
